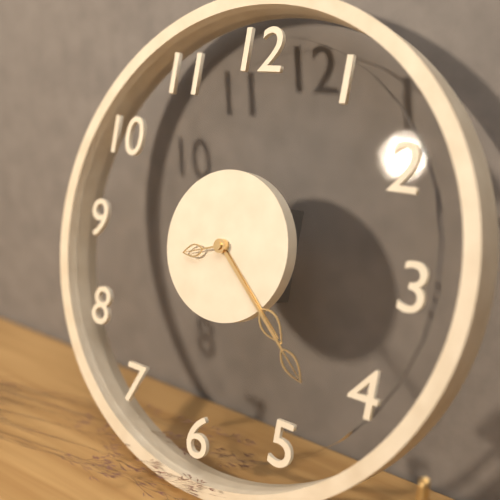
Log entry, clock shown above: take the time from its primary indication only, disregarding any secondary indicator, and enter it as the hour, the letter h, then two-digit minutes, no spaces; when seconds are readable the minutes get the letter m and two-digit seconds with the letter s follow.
4h22
